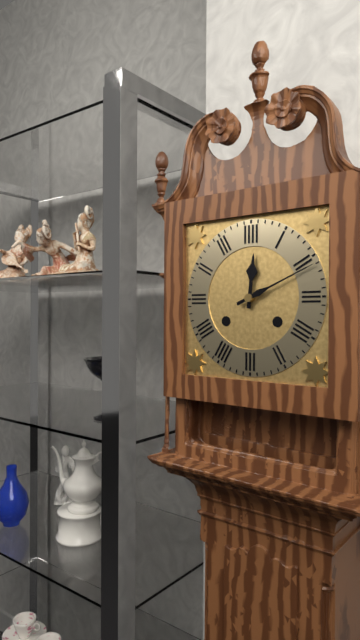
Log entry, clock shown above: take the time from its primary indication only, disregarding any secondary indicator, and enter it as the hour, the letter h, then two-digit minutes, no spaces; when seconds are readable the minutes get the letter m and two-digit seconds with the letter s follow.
12h11
